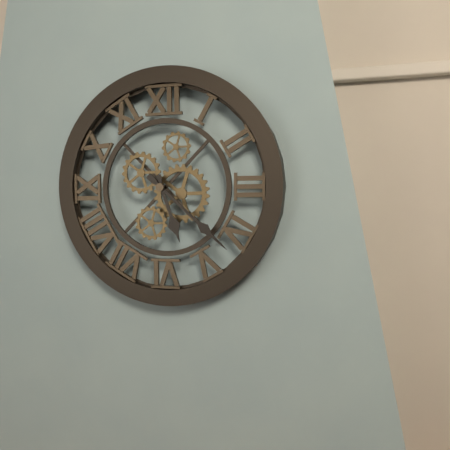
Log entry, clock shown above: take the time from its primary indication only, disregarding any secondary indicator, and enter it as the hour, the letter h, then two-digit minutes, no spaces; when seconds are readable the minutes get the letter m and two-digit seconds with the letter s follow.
5h22
